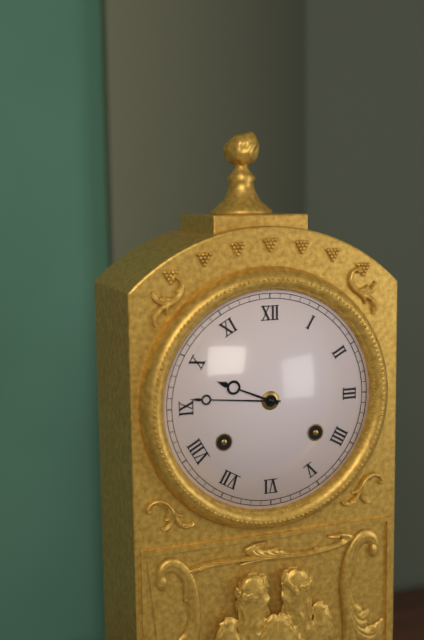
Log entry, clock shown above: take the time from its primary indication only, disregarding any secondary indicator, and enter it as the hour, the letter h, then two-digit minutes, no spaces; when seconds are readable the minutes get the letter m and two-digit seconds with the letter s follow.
9h46
